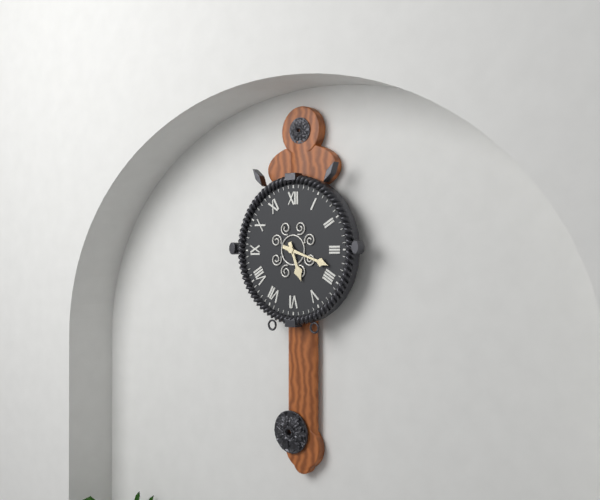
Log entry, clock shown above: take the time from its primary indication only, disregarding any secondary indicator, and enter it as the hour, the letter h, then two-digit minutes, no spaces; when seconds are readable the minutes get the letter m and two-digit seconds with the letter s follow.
5h18
